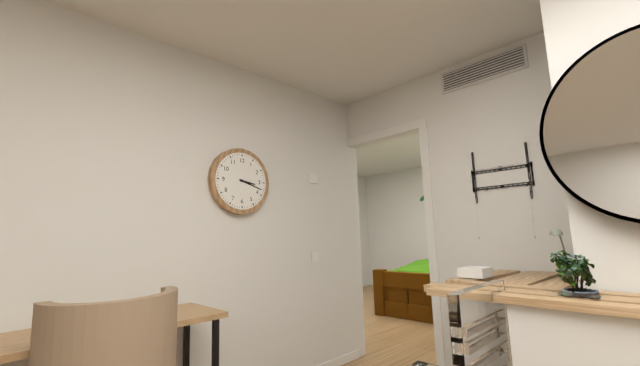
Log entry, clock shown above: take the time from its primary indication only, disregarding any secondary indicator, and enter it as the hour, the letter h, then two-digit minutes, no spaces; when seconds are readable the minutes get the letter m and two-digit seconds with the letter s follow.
3h18
